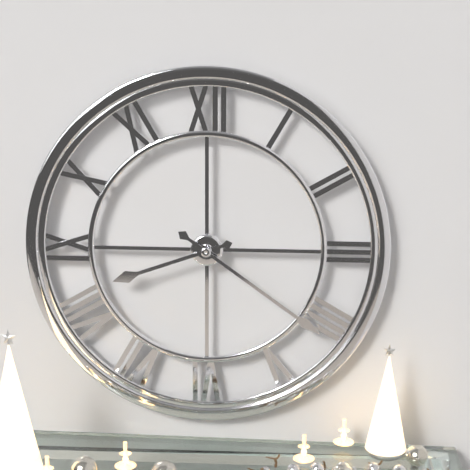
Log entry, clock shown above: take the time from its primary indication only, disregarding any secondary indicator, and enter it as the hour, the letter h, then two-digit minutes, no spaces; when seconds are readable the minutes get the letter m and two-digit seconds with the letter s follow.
8h21
